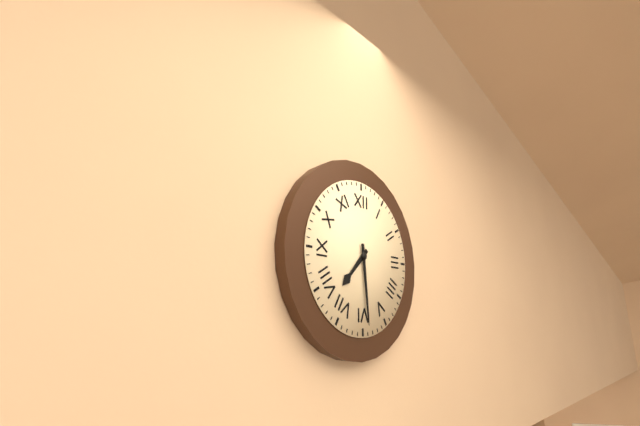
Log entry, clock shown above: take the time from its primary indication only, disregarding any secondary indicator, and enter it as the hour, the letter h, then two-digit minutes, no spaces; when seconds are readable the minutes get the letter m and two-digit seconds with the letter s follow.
7h29
